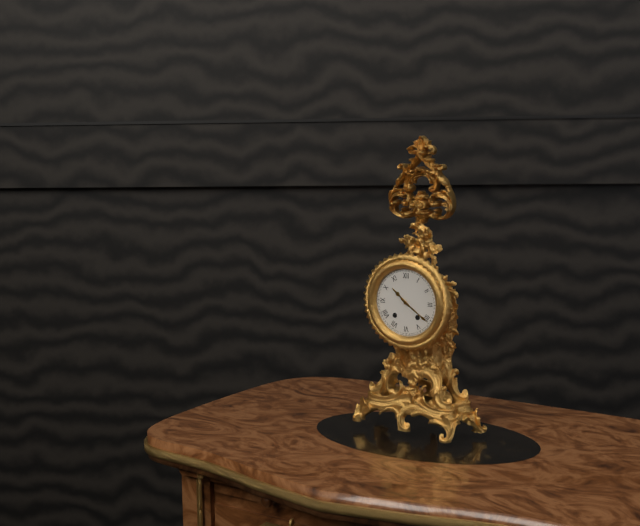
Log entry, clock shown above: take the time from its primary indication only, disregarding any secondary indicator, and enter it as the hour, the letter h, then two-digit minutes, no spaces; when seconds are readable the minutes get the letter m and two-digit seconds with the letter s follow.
10h21
